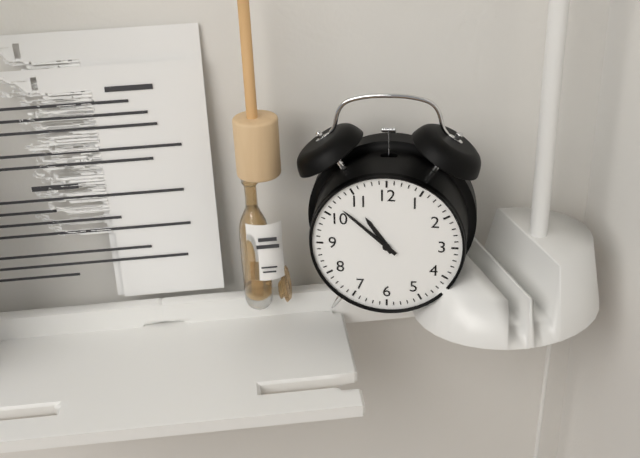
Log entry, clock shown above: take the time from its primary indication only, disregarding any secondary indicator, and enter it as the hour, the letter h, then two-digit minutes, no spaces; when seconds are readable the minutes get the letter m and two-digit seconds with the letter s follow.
10h52
